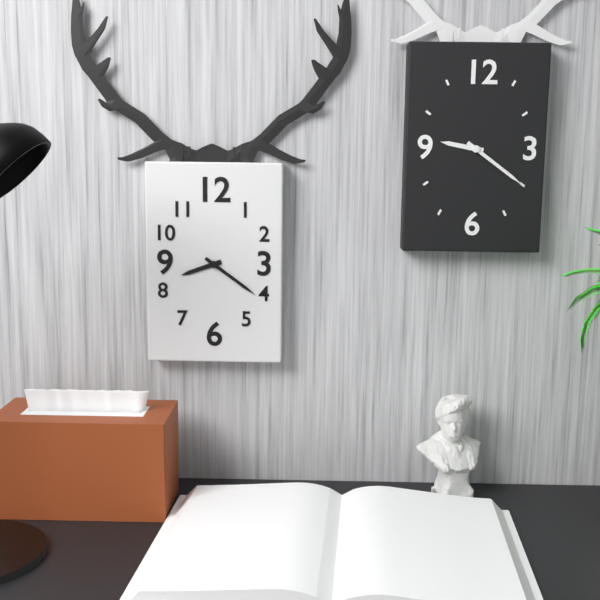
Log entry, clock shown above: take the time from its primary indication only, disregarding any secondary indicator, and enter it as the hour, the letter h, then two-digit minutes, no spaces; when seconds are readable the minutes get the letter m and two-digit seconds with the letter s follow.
8h21
